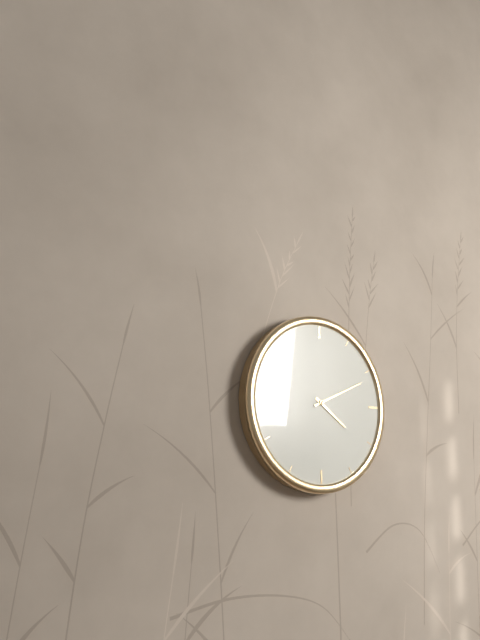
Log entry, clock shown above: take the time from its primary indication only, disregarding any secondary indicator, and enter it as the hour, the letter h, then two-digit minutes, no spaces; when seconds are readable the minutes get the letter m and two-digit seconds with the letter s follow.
4h11
